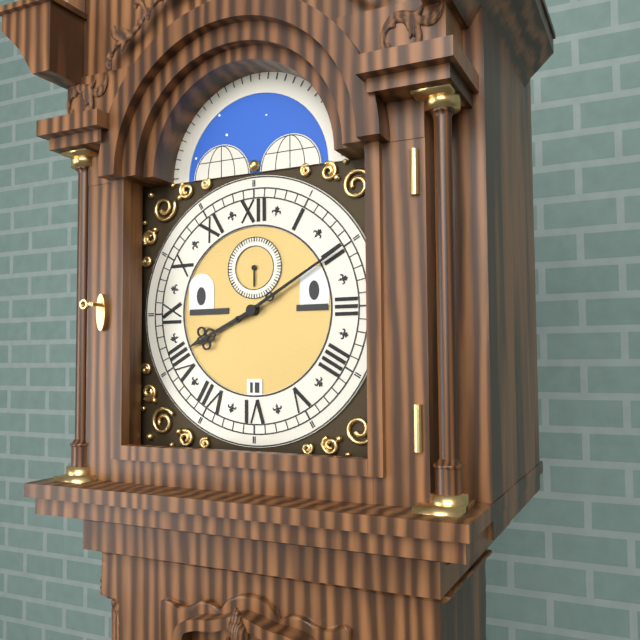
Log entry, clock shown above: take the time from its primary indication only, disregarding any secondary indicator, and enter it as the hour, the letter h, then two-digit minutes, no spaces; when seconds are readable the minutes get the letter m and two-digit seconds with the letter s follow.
8h10
